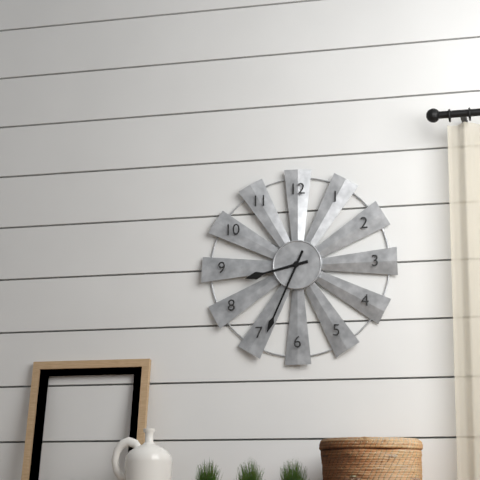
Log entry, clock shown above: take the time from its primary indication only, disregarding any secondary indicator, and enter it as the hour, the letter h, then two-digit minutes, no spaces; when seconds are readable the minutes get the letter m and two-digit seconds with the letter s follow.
8h34
